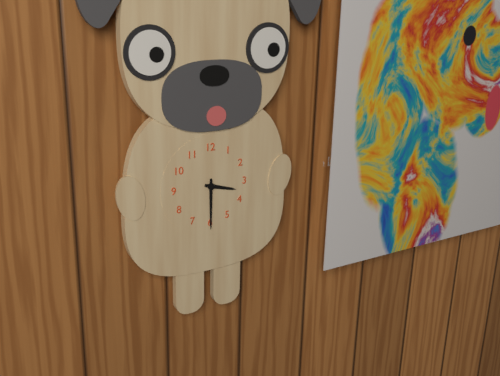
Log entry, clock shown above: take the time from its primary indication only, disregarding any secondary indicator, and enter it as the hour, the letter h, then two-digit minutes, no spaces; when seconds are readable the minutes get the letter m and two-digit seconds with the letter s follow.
3h30
